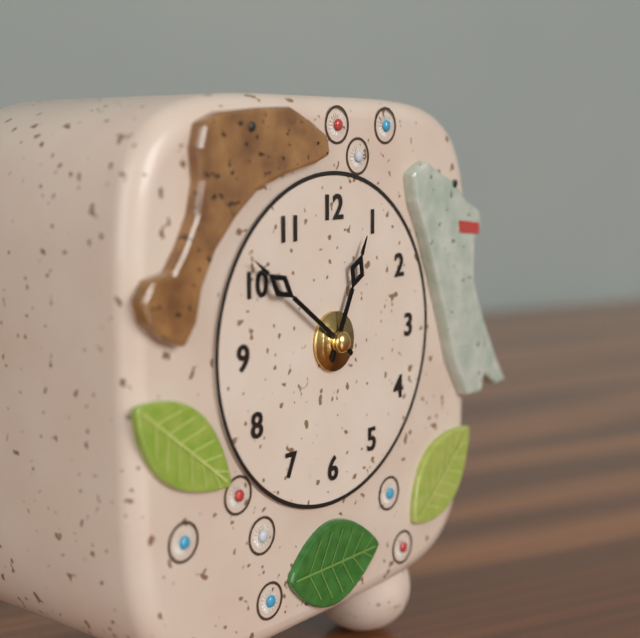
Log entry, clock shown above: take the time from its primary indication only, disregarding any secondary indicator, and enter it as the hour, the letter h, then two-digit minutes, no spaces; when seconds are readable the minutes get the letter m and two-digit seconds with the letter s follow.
12h51
